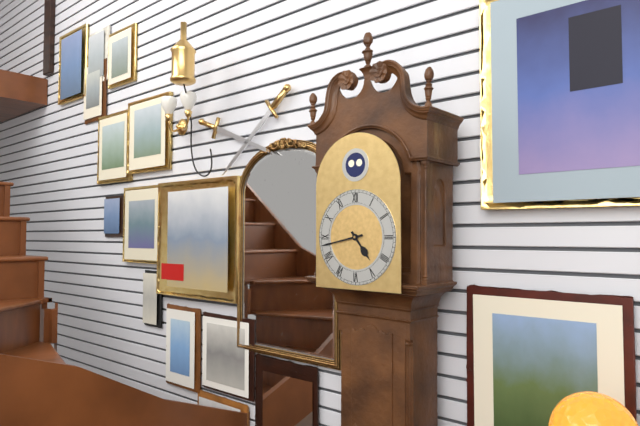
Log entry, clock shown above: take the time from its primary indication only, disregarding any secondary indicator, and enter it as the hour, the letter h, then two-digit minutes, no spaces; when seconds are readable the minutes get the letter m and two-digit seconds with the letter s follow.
4h43
